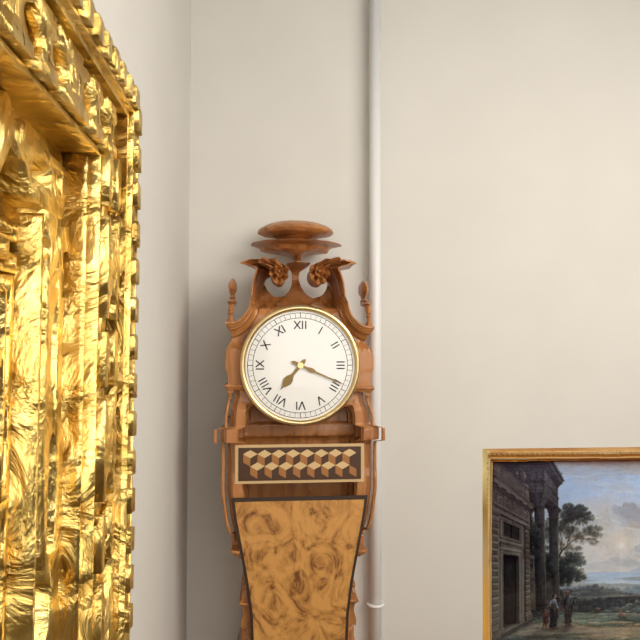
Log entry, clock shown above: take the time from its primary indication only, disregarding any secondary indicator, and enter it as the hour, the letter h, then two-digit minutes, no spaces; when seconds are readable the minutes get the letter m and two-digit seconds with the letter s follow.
7h19
